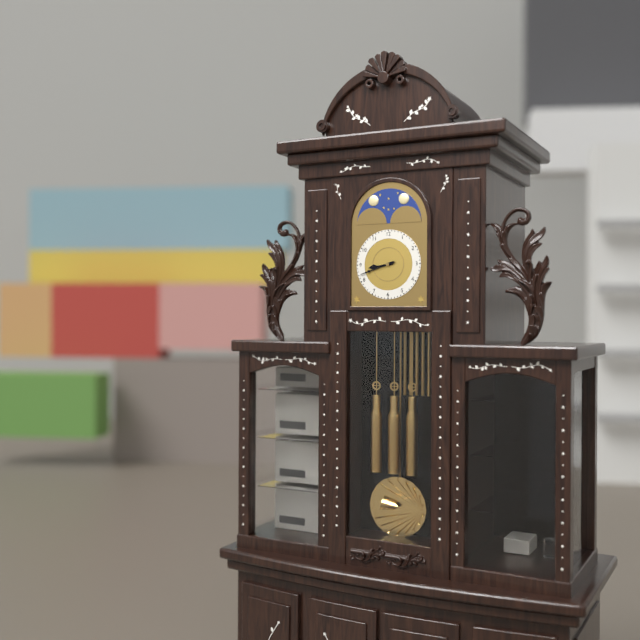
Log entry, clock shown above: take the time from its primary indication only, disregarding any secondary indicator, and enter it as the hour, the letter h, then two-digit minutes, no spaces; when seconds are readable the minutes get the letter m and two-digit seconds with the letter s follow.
8h42
